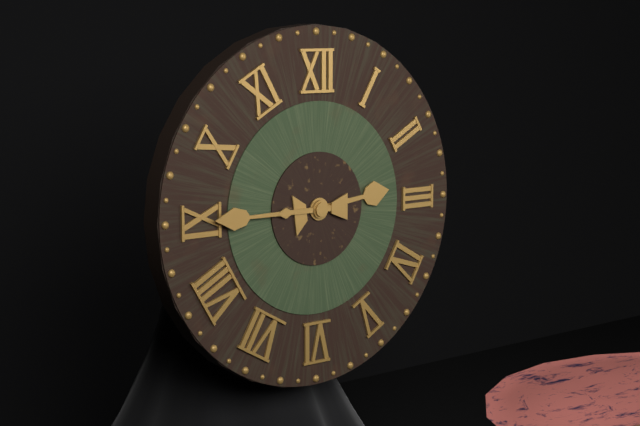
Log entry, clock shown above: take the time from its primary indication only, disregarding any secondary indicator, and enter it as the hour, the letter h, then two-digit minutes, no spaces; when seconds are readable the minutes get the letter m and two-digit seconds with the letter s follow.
2h45
